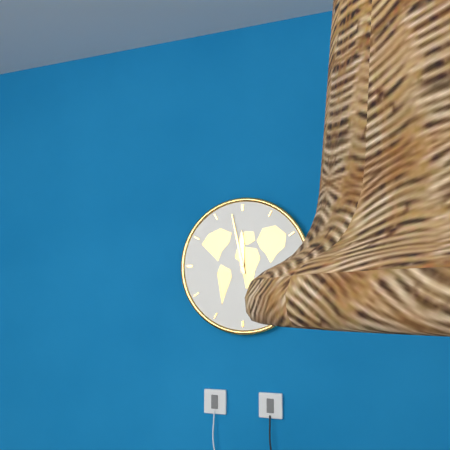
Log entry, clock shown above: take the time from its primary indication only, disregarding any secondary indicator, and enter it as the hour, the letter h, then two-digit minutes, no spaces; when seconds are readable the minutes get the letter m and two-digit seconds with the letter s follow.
11h58
